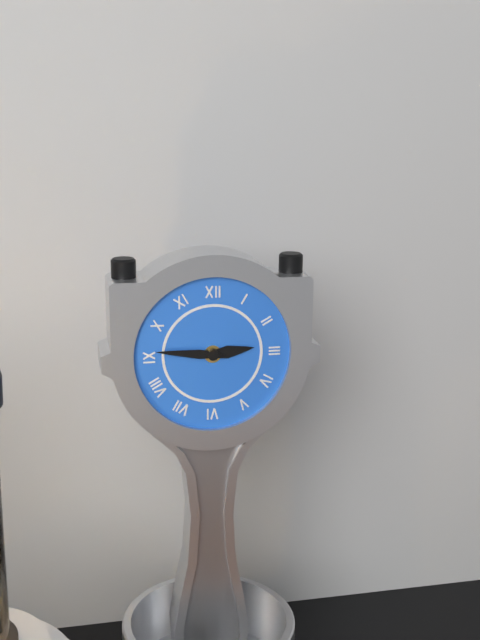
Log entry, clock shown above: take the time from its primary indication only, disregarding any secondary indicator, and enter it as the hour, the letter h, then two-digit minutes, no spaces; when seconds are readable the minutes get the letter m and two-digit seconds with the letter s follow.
2h46
